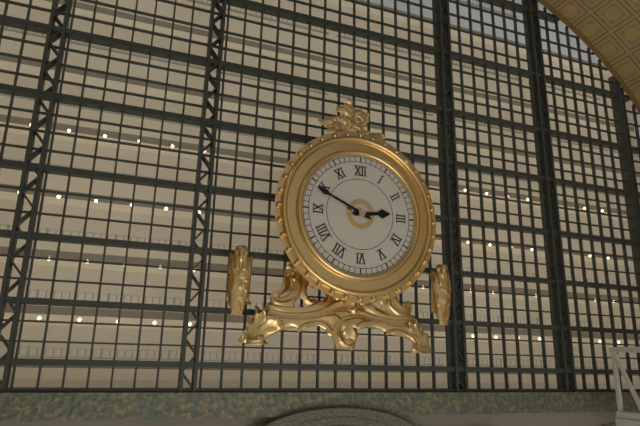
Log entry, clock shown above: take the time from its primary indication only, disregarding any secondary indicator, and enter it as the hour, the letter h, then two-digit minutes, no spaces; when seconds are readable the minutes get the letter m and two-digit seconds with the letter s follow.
2h49
